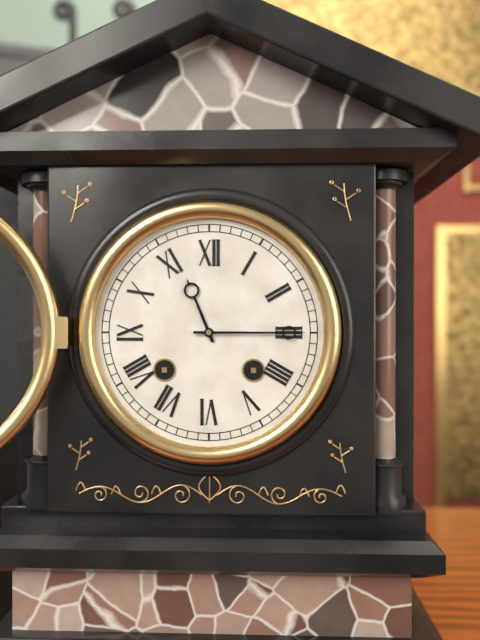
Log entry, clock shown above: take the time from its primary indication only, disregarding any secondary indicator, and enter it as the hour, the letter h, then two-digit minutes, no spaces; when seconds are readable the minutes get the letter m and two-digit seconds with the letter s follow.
11h15
